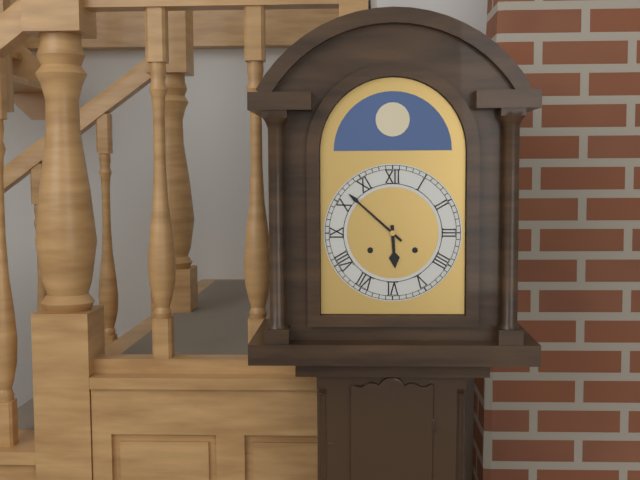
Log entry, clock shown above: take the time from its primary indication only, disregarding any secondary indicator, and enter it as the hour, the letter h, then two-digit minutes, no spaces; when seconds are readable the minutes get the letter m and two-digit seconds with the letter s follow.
5h52
